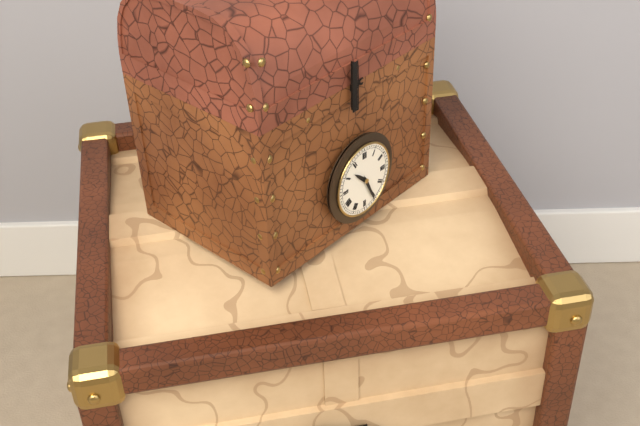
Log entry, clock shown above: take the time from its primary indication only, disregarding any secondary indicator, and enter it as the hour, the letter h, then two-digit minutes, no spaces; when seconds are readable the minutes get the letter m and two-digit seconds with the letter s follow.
10h26
